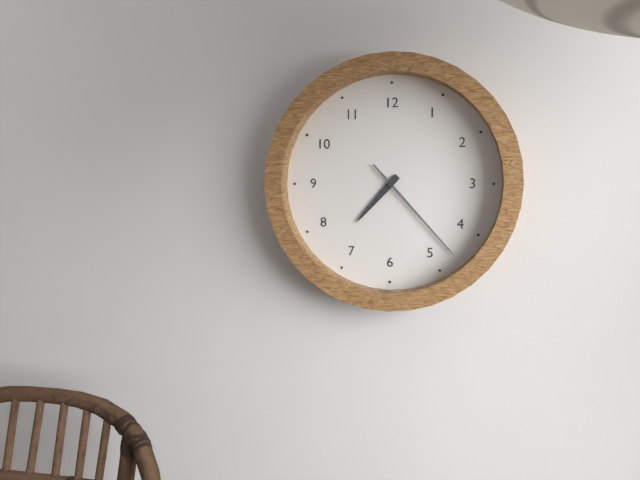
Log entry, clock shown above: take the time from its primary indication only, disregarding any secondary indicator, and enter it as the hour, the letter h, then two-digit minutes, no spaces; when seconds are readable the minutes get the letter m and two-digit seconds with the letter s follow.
7h23
